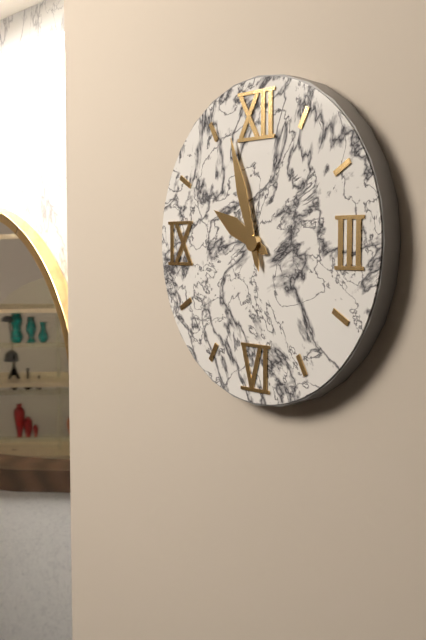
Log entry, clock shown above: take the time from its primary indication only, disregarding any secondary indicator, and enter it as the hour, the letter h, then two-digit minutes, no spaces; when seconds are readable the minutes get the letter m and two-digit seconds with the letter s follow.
9h57
